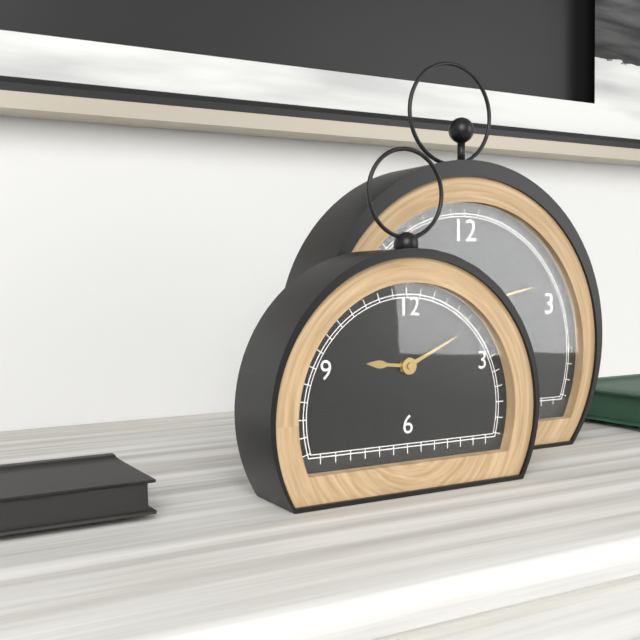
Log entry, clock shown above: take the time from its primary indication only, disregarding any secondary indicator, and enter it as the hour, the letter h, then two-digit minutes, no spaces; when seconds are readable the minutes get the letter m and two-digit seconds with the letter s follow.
9h11
